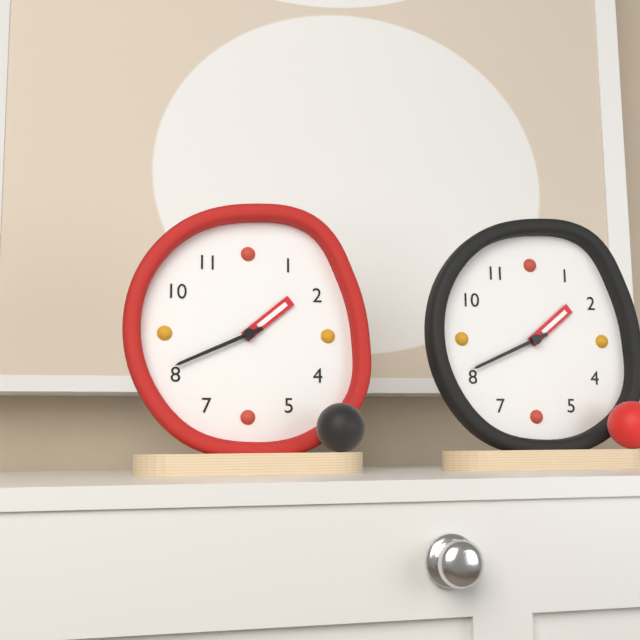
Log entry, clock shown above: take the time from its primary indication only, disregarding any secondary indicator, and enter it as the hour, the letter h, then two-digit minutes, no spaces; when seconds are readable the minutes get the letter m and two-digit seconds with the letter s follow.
1h41
